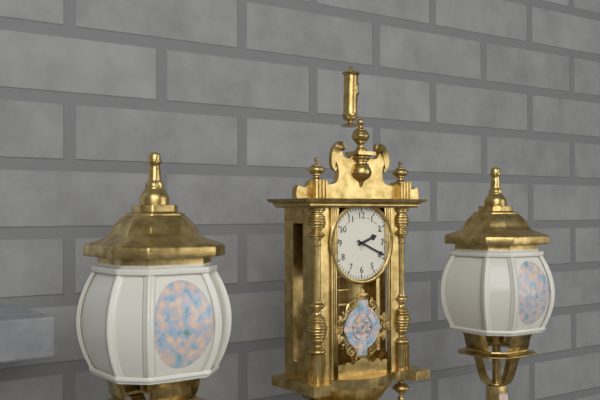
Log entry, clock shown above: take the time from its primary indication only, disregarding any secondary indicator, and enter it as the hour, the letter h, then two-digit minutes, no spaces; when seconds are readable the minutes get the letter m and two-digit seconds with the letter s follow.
2h19
